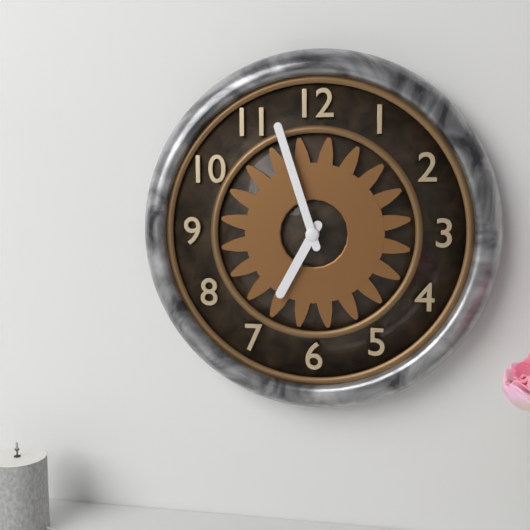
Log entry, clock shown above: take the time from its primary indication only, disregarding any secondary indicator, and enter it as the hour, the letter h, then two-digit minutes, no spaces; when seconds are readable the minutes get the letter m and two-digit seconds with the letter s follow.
6h57
